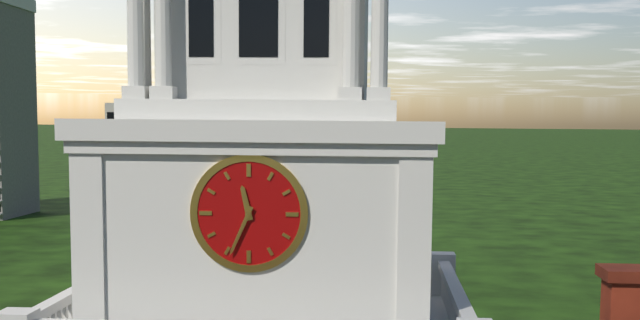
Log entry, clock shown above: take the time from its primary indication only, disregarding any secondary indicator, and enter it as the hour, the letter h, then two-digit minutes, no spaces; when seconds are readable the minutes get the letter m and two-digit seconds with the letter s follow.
11h34
